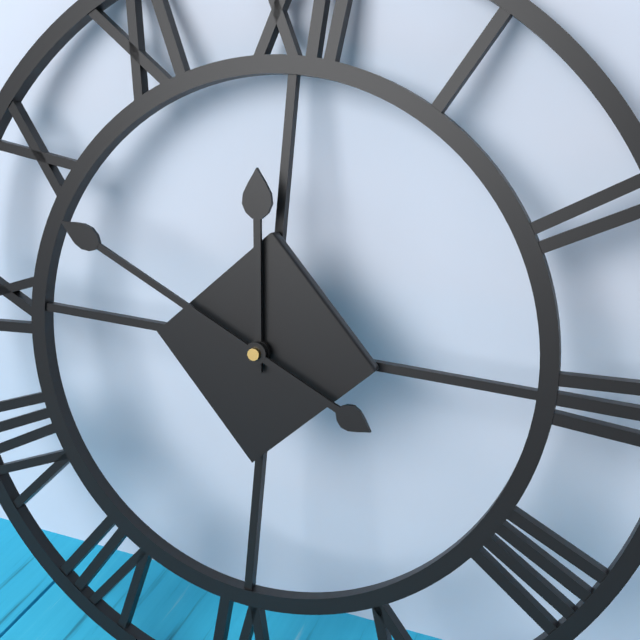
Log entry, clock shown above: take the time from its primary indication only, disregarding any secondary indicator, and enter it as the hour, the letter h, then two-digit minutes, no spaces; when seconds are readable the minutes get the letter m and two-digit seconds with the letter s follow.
11h49
